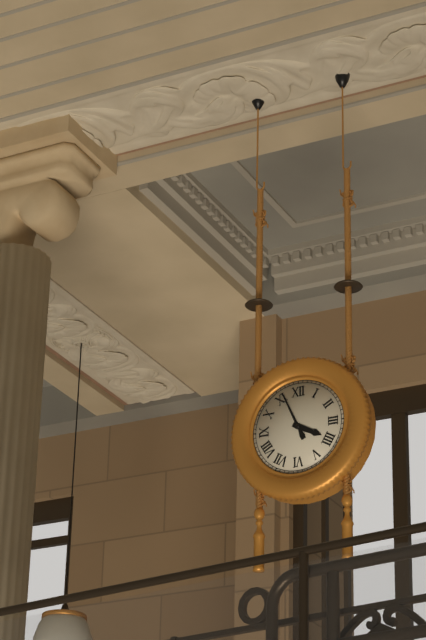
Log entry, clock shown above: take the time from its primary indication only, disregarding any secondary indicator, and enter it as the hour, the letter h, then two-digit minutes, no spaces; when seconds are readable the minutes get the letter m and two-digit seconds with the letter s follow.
3h56
